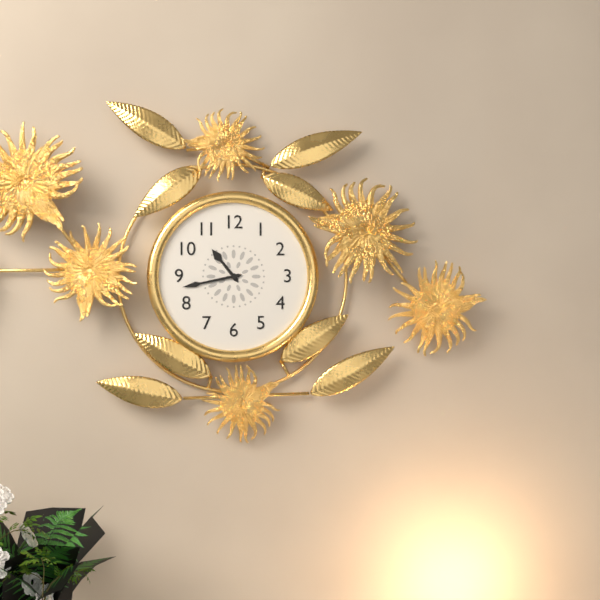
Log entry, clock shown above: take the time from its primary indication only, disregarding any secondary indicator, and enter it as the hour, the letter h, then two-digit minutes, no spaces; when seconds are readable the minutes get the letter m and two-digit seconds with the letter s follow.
10h43
